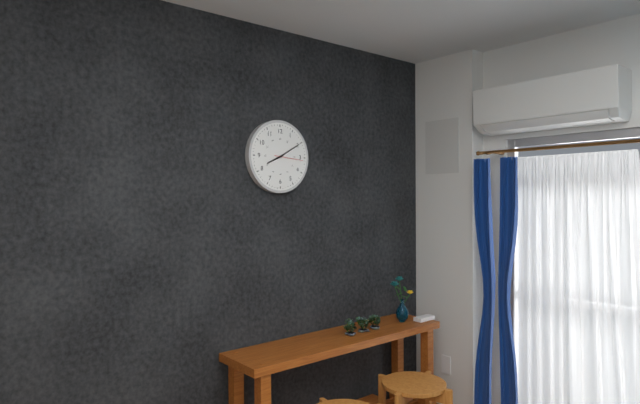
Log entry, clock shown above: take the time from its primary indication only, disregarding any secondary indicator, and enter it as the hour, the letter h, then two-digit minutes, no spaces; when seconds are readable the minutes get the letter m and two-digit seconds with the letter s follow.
8h10
